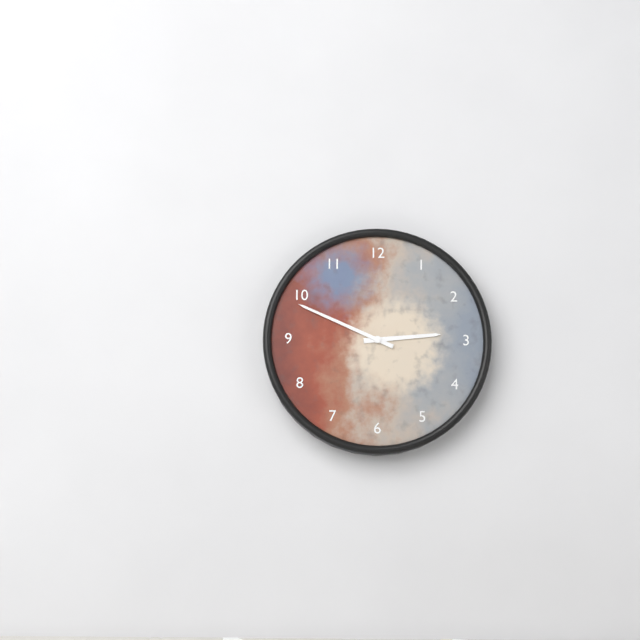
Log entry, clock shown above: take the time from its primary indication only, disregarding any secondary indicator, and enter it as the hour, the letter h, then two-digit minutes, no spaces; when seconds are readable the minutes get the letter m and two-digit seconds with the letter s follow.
2h49
